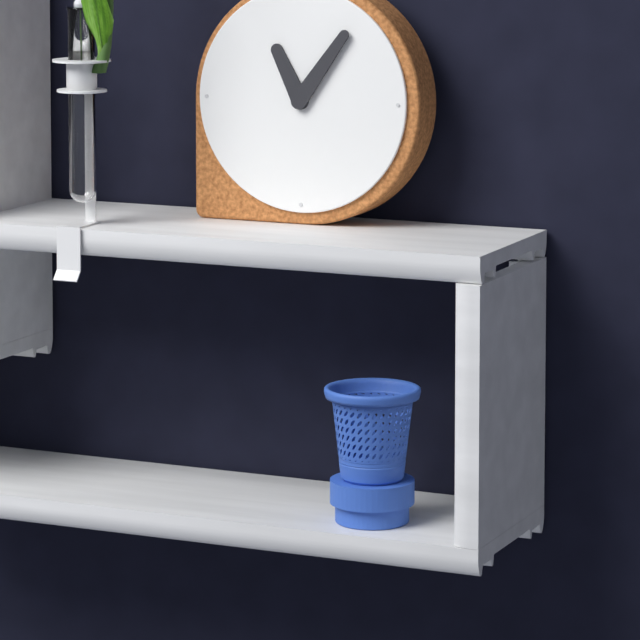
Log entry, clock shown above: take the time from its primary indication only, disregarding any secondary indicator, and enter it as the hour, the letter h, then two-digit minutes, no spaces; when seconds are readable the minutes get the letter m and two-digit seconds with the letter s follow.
11h06
